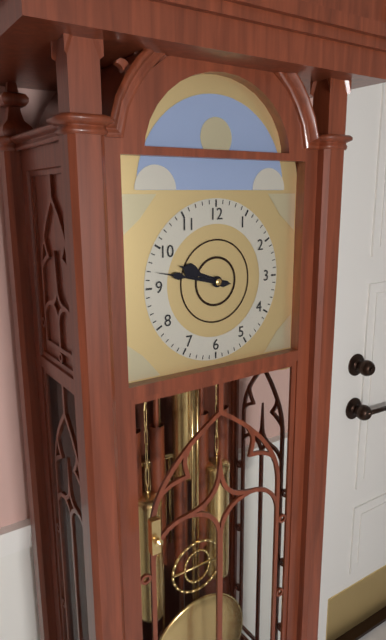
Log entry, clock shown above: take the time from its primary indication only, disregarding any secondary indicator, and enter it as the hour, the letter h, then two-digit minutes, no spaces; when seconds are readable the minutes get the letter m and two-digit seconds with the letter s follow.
9h47
